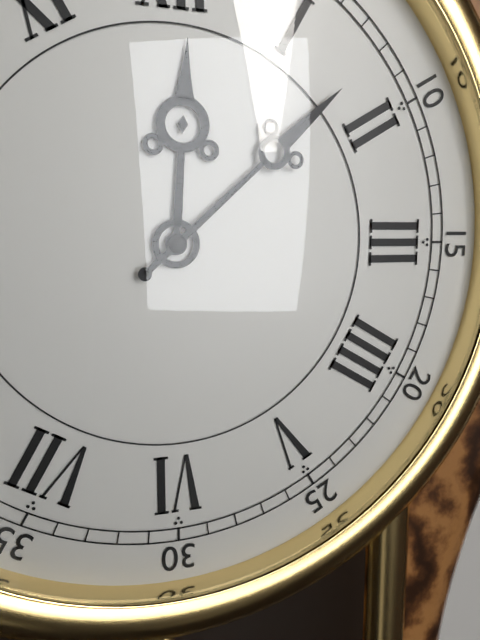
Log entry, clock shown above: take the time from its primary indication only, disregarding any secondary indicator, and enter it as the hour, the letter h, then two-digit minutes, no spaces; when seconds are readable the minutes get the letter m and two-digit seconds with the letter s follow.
12h08
